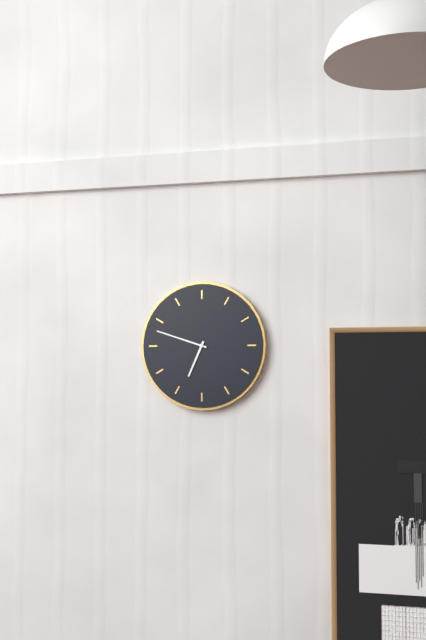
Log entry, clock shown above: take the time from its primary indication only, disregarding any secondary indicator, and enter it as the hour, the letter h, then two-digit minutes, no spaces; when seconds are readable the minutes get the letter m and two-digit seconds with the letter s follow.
6h48
